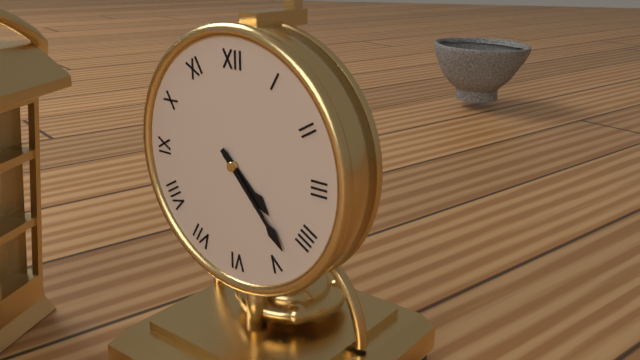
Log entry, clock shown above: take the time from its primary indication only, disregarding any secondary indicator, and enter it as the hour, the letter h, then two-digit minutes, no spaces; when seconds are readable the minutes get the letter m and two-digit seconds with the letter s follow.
4h23
